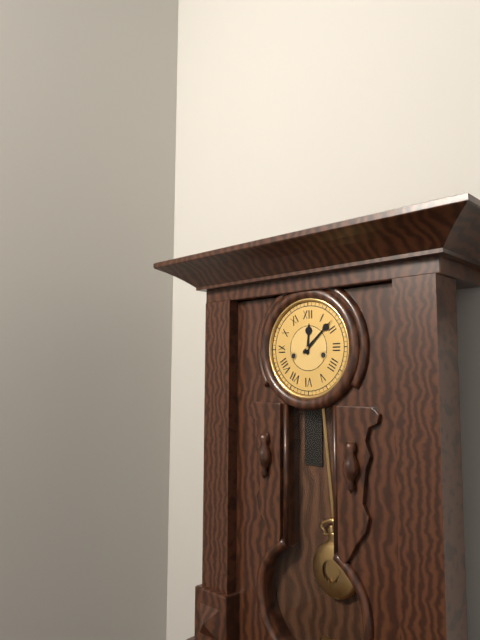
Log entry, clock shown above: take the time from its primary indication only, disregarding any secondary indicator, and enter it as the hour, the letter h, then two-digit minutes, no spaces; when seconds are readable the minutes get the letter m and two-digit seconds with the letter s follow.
12h08
